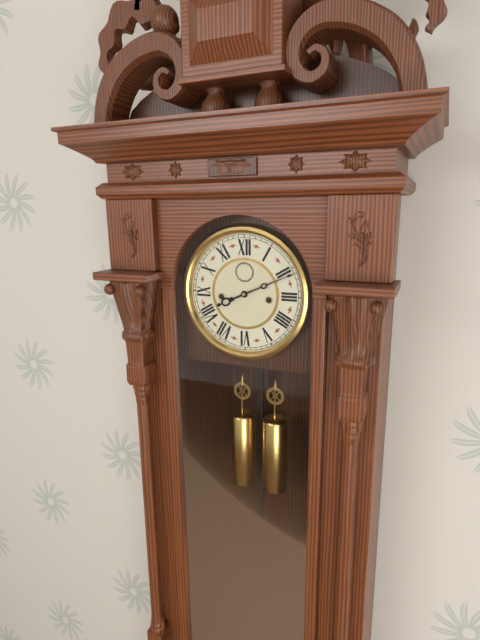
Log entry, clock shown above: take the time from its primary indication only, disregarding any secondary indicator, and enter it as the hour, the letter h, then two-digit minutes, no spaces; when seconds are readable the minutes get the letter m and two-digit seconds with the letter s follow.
8h11
